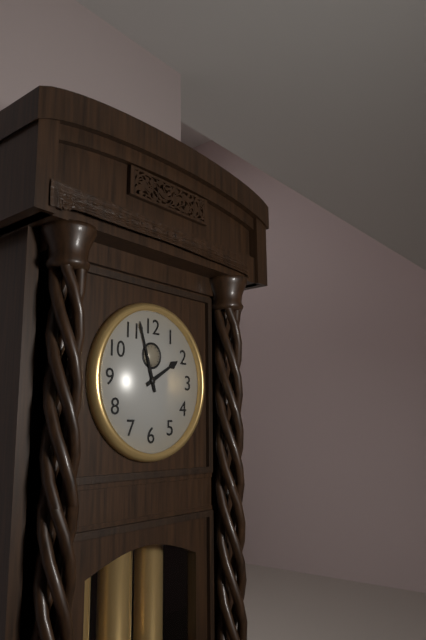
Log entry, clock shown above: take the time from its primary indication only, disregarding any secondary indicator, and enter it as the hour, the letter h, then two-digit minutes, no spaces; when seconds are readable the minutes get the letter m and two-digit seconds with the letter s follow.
1h57
